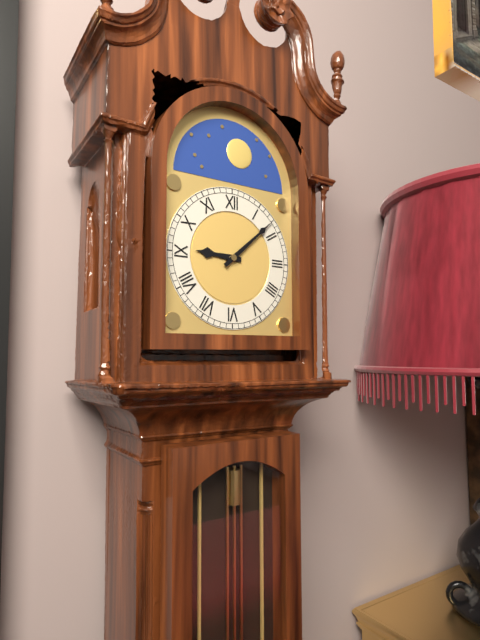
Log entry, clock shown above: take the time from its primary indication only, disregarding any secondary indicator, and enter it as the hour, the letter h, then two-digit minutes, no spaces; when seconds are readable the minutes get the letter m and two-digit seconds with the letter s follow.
9h08
